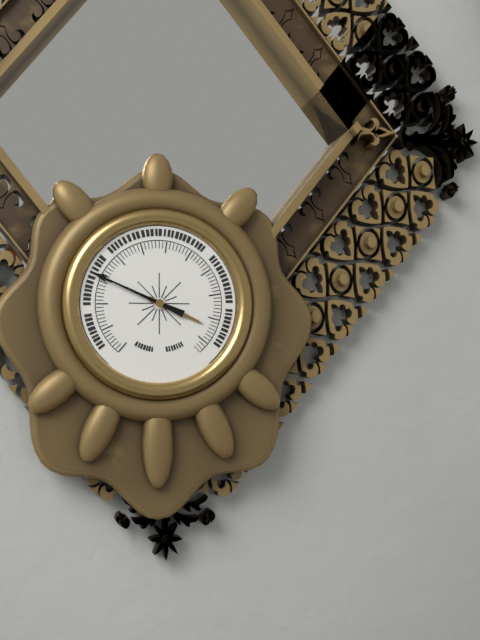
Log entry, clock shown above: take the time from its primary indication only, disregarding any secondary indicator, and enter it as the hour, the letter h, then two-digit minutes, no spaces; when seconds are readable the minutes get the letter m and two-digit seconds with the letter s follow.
3h49
